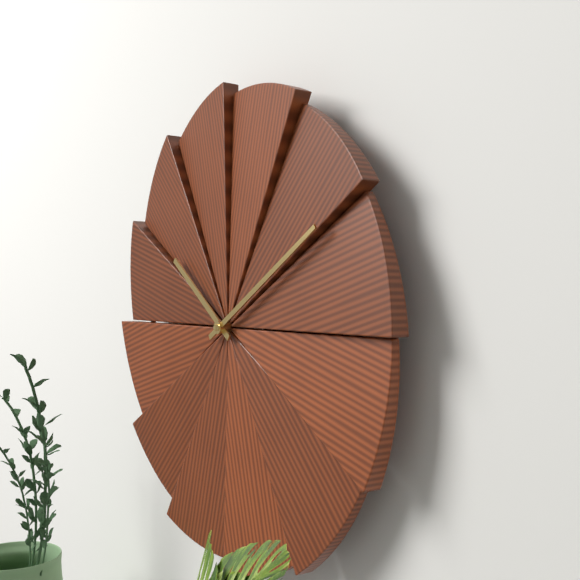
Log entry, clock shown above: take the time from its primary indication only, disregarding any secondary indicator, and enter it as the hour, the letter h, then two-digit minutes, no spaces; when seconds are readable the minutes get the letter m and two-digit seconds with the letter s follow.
10h10
